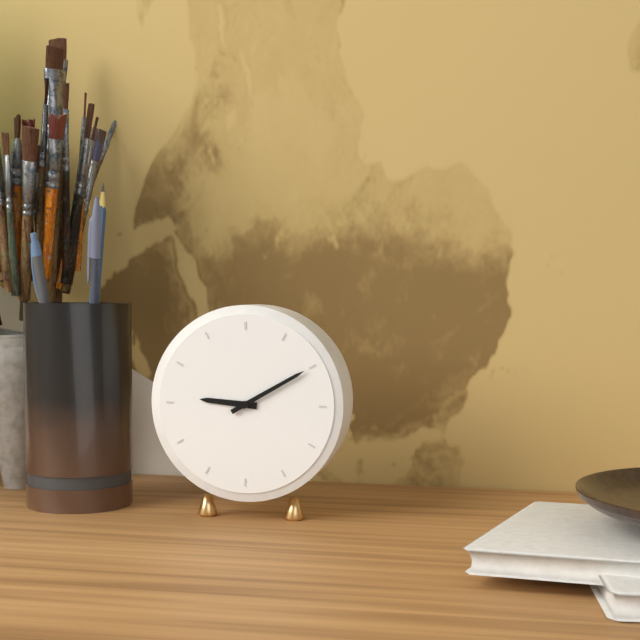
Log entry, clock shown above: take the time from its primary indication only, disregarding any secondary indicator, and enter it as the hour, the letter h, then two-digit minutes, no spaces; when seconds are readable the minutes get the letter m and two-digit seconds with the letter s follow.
9h10
